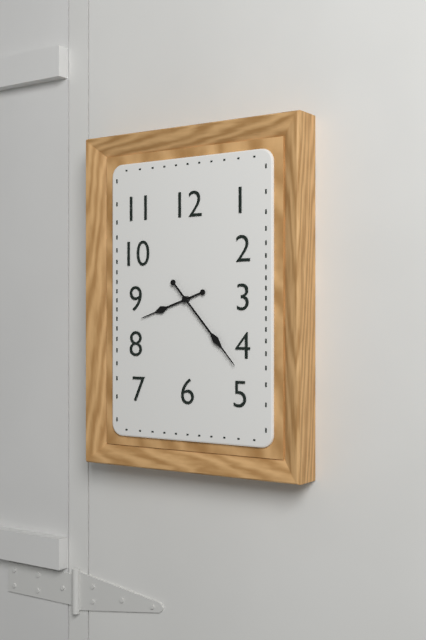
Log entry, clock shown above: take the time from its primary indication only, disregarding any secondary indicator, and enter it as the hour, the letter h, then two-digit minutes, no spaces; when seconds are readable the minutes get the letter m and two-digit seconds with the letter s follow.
8h23
